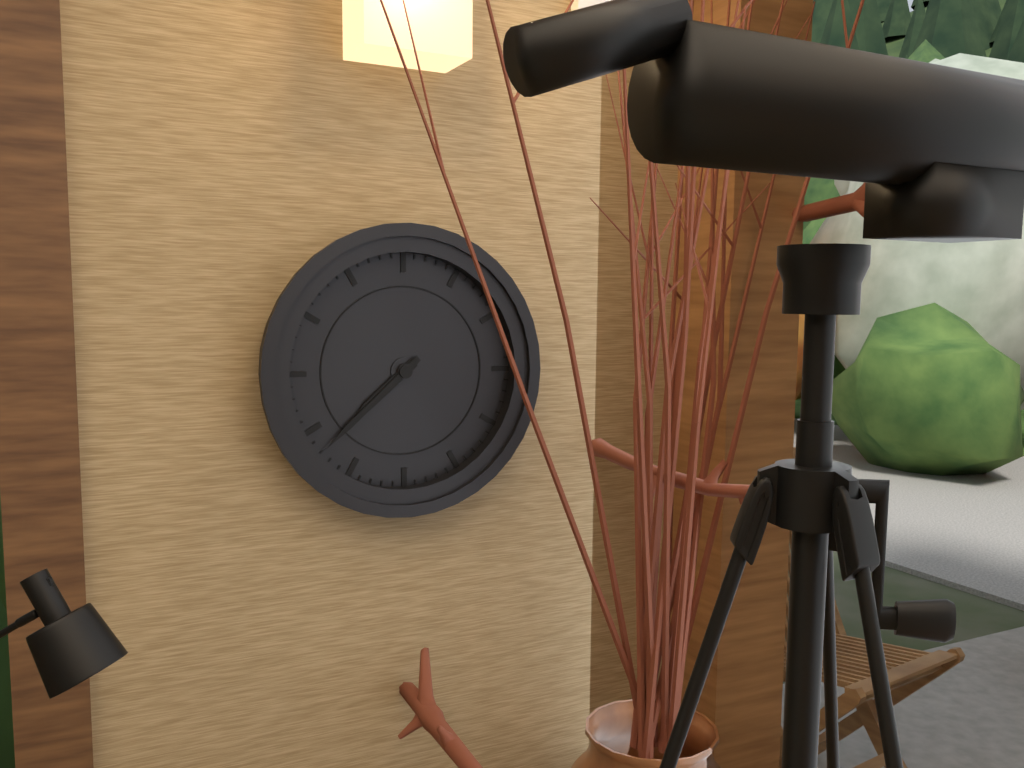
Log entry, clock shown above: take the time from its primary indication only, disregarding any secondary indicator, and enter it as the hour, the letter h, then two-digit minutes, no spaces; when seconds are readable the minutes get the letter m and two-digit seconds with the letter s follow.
7h38
